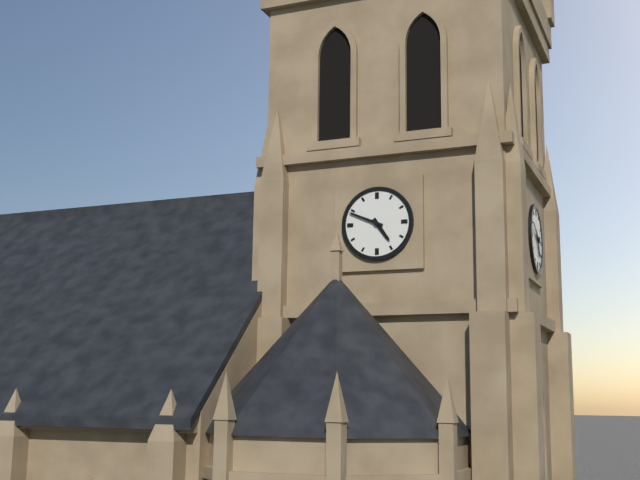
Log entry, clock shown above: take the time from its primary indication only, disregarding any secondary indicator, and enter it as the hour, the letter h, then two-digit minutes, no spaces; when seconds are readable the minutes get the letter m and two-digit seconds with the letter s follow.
4h49
